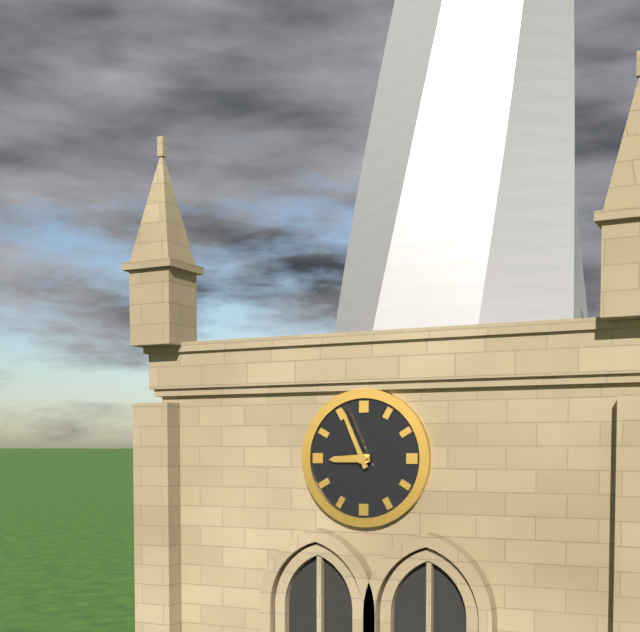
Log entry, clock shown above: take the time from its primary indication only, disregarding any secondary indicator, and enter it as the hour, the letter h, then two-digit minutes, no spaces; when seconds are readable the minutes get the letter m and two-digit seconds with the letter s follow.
8h56
